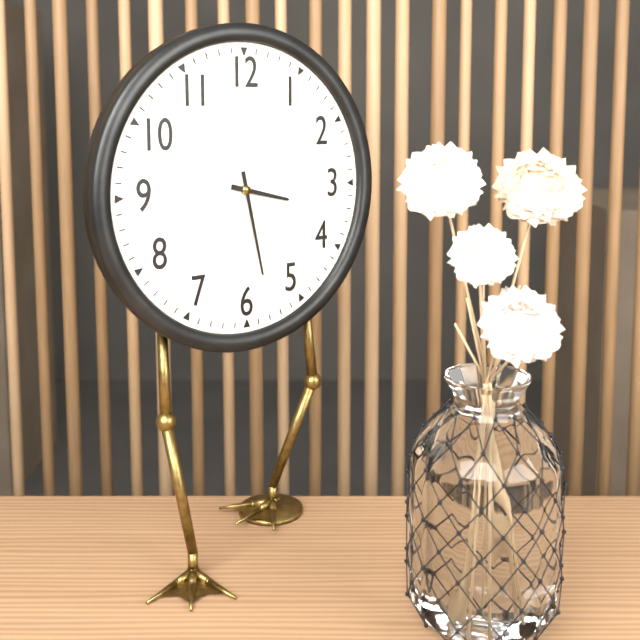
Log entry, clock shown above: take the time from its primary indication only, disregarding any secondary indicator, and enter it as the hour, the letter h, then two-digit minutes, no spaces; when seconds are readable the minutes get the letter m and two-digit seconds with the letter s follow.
3h28
